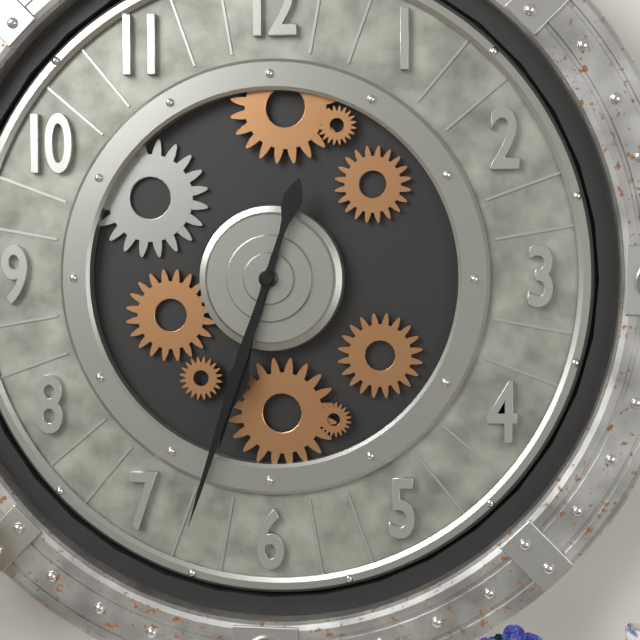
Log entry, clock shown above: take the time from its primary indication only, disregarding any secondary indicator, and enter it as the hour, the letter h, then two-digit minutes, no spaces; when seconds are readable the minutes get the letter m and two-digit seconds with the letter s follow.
6h33
